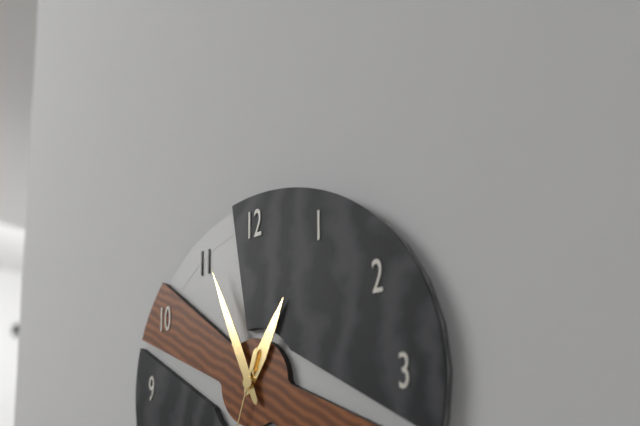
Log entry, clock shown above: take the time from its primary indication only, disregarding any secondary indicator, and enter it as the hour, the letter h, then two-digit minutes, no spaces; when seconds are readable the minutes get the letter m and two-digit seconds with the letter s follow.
12h56
